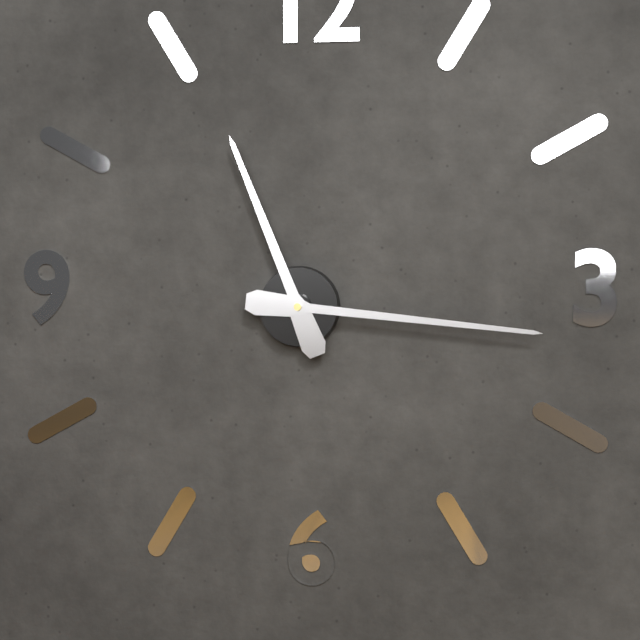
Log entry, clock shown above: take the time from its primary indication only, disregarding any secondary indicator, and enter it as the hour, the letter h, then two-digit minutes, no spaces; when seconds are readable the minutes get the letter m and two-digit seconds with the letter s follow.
11h16
